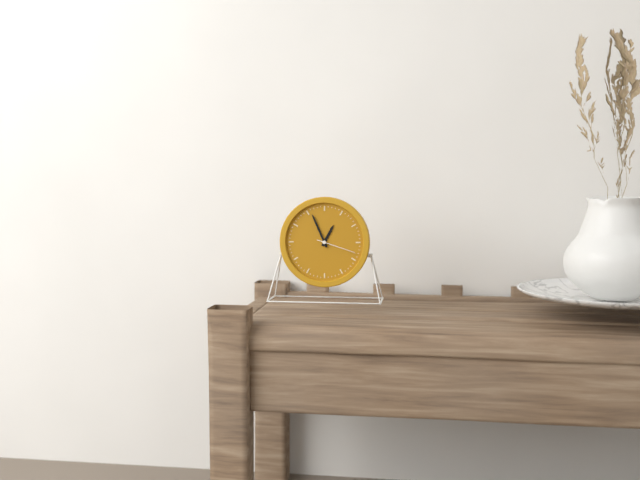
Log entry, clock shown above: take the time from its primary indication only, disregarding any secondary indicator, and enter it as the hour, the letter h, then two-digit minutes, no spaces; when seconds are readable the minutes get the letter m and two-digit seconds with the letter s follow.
12h56
